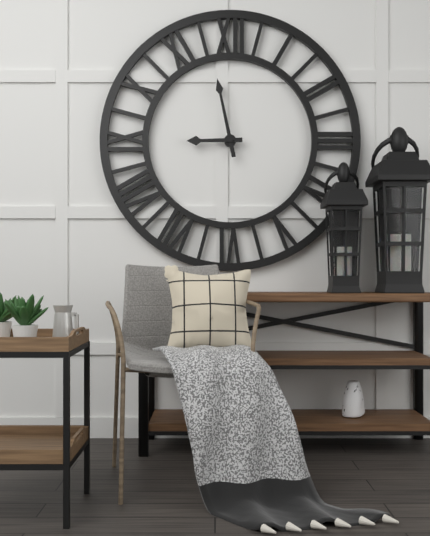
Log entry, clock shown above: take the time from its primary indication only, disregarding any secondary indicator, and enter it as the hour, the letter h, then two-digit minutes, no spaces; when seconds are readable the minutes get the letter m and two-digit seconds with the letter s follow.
8h58
